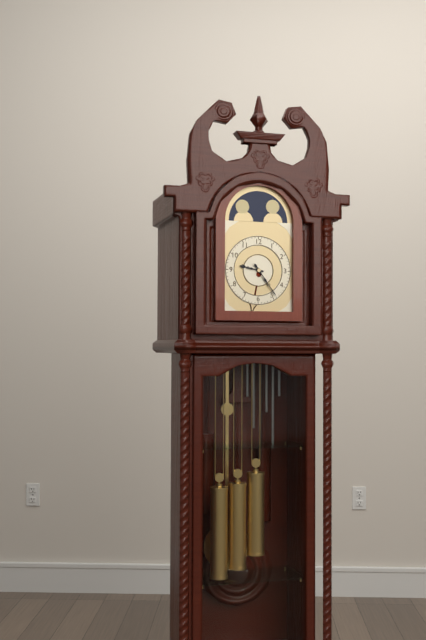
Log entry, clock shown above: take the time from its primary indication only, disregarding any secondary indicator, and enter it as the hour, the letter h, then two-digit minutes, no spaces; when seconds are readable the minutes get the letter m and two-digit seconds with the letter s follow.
9h24
